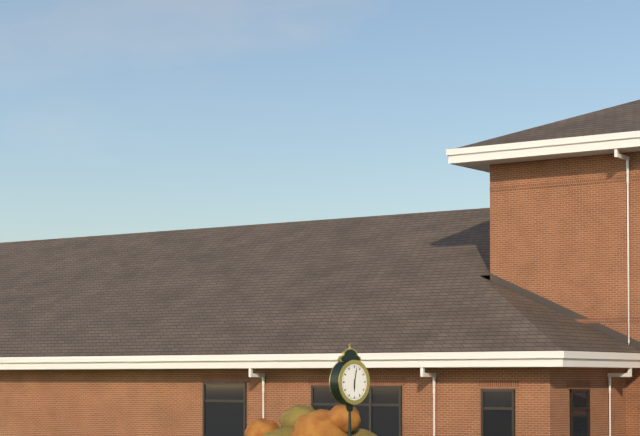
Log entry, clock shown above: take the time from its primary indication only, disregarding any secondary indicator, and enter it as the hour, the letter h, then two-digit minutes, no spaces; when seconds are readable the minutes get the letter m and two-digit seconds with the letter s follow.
6h02
